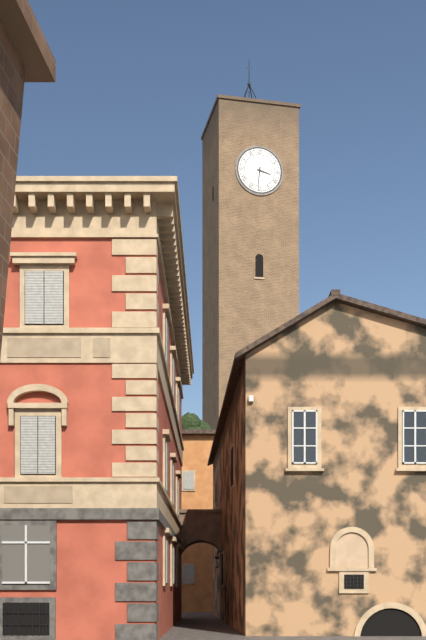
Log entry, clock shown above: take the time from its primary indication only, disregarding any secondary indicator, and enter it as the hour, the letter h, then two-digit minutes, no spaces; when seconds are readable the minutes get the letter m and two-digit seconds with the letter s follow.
3h31
